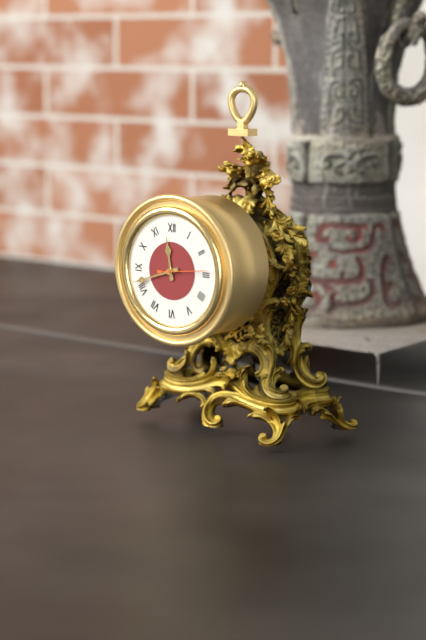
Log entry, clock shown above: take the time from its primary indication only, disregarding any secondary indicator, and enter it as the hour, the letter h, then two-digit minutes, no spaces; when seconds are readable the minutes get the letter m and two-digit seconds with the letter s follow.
11h42
